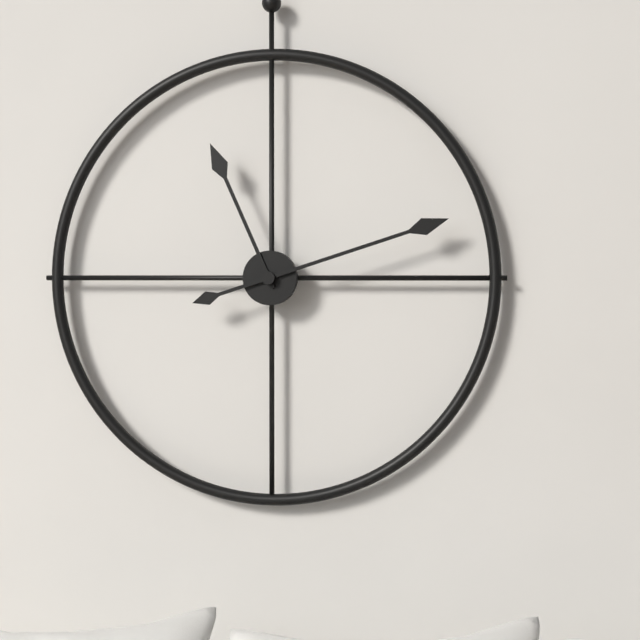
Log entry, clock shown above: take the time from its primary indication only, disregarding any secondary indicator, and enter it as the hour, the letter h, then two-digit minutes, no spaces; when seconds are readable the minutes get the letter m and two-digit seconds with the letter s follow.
11h12
